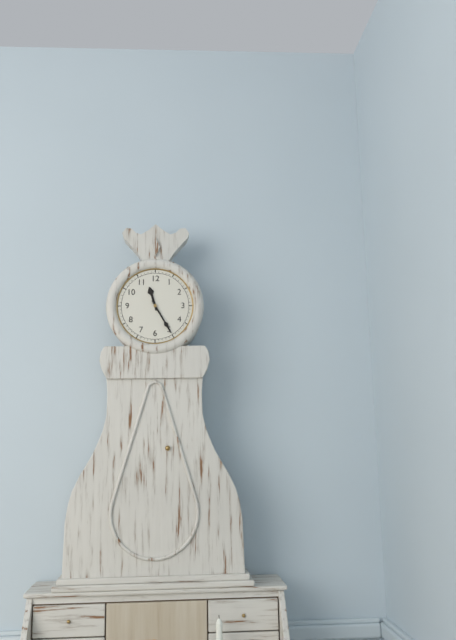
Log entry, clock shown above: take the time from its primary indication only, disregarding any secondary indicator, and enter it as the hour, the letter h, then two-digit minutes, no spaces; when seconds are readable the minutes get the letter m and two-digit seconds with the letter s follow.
11h25
